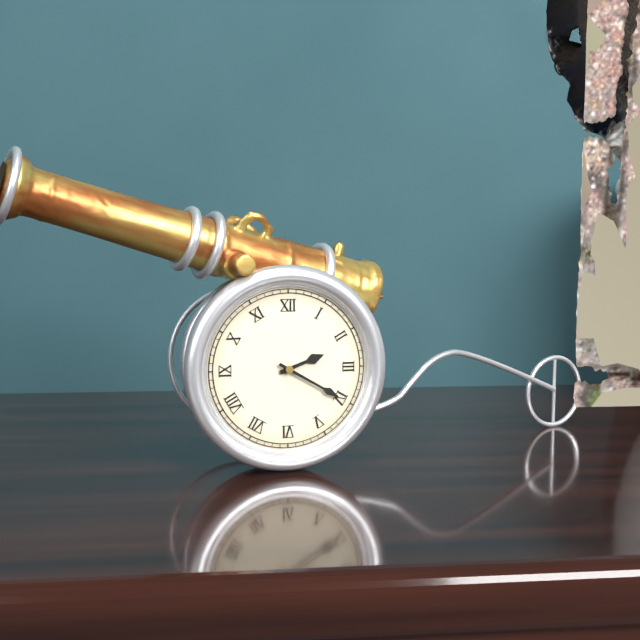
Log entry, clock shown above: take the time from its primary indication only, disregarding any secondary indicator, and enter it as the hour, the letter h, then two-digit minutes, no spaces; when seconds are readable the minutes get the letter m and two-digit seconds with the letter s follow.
2h20
